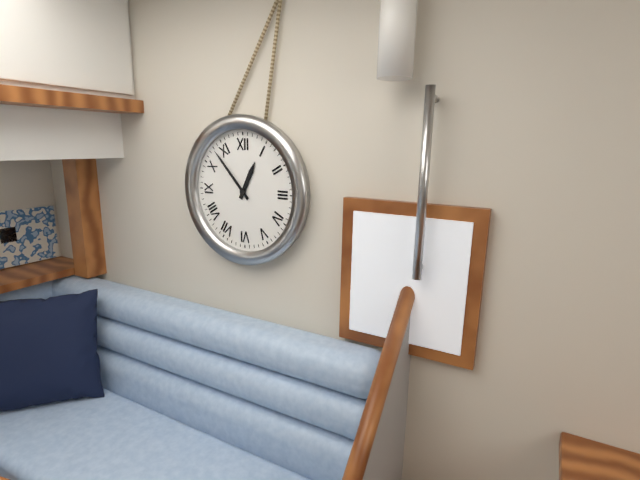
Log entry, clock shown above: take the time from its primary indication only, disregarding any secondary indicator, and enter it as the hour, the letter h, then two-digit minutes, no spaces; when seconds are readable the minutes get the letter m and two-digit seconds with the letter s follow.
12h53
